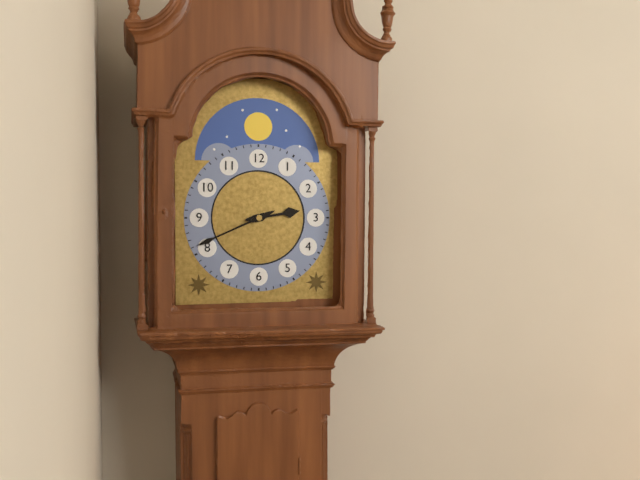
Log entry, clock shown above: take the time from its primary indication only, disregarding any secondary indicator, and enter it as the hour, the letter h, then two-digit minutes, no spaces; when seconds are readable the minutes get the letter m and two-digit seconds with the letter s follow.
2h41
